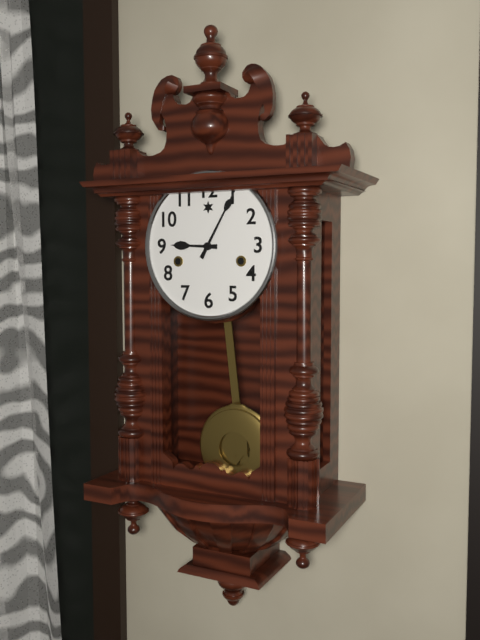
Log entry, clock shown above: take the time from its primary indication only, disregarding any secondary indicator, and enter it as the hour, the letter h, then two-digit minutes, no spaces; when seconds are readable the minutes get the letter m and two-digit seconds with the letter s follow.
9h05
